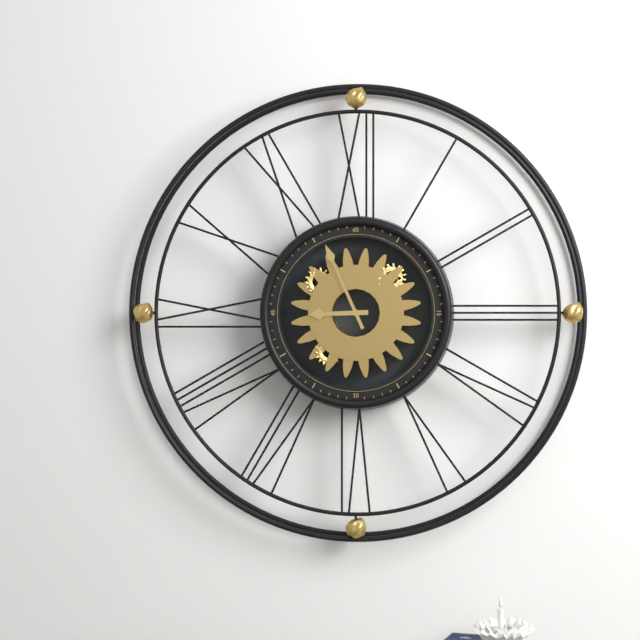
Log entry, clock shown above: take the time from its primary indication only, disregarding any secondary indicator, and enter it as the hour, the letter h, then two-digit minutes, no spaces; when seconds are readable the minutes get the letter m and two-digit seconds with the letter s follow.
8h56
